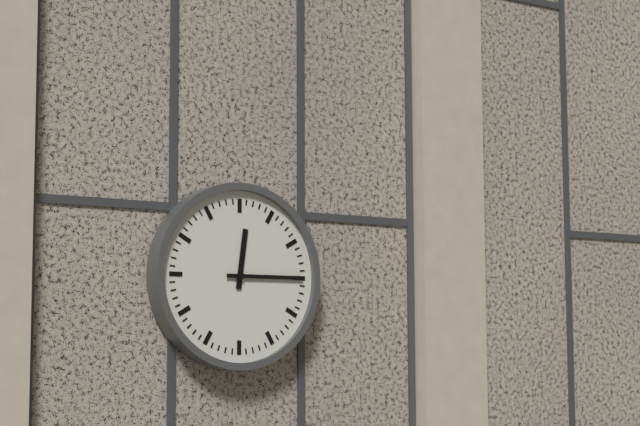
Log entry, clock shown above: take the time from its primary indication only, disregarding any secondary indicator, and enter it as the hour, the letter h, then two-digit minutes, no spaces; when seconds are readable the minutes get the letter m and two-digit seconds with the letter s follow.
12h15
